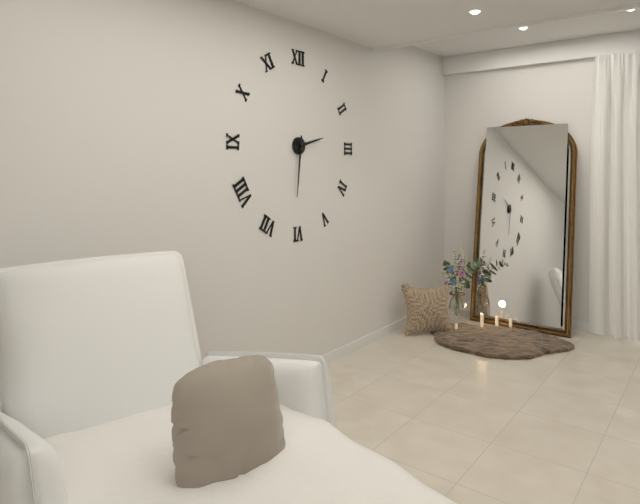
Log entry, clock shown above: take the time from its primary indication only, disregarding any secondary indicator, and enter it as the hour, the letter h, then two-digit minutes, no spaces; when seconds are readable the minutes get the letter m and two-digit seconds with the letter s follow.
2h31
